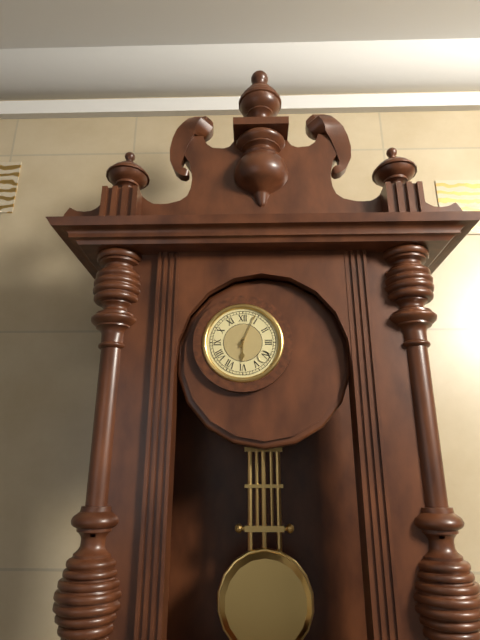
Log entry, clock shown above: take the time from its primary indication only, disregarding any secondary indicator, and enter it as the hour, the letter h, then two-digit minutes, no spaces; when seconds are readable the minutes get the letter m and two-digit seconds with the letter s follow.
6h04
